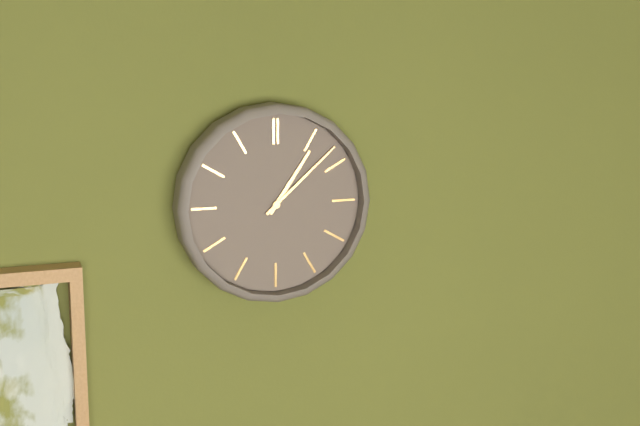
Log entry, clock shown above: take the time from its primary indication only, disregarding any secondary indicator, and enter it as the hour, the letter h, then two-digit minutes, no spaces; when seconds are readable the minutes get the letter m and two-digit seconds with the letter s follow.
1h08
